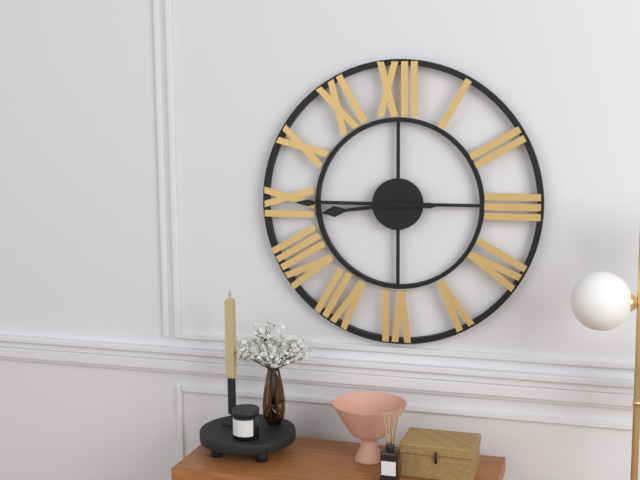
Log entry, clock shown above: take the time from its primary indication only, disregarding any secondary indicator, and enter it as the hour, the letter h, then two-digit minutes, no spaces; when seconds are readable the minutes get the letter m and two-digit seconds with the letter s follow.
8h45
